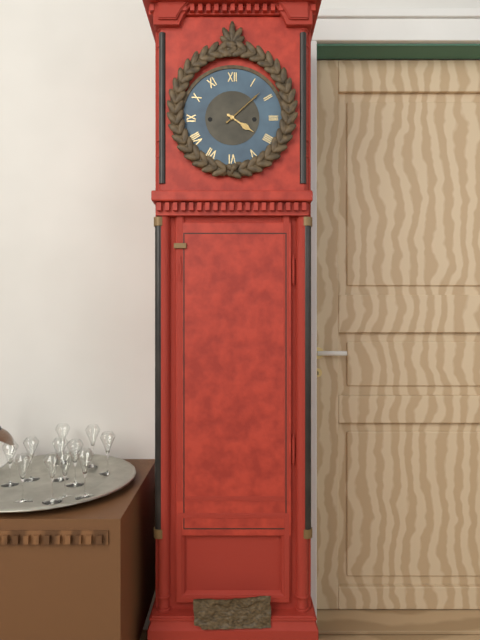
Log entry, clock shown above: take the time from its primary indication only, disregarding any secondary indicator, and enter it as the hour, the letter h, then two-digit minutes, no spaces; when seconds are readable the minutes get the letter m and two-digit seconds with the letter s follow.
4h08
